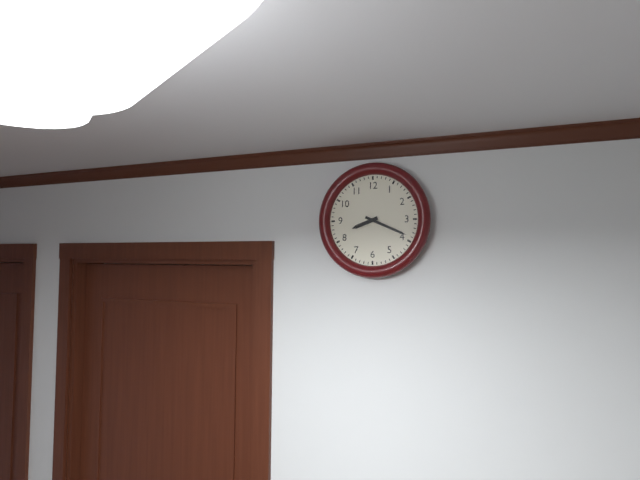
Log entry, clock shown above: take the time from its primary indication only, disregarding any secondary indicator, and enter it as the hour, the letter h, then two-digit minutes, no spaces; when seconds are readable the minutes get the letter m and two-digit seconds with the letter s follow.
8h19
